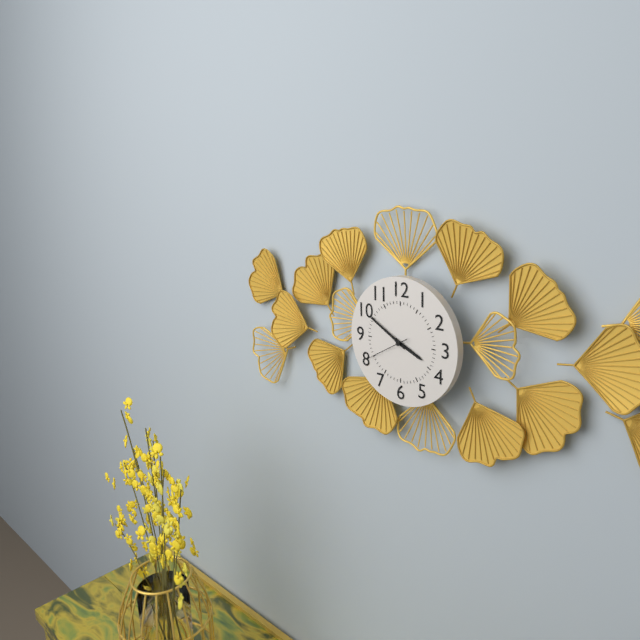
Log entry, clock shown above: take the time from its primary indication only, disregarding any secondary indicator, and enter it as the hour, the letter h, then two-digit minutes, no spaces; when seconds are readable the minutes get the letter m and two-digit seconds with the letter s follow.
3h50
